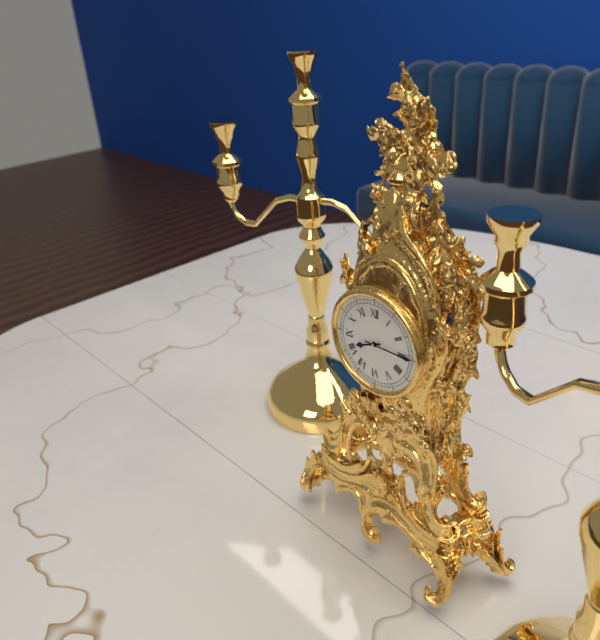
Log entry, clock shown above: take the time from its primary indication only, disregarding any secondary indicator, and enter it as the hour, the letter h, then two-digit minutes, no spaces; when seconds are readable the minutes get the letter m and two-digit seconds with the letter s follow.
8h15
